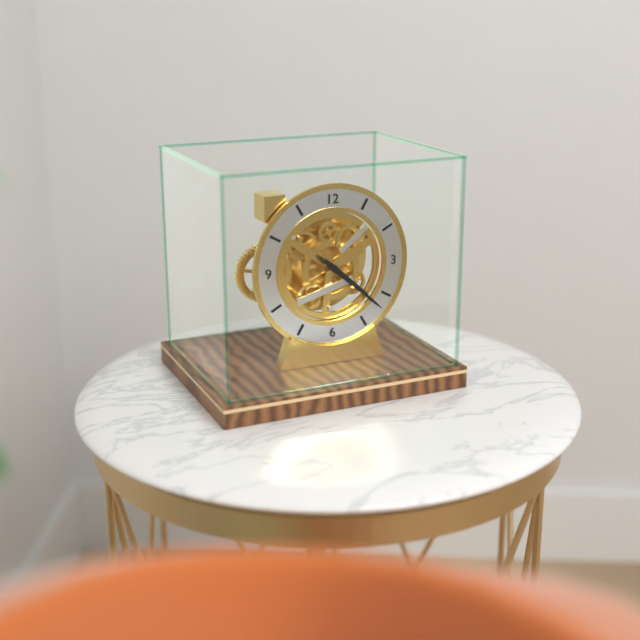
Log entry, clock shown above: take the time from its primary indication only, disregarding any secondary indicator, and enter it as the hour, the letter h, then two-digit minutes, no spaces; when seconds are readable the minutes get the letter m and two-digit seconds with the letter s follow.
4h22
